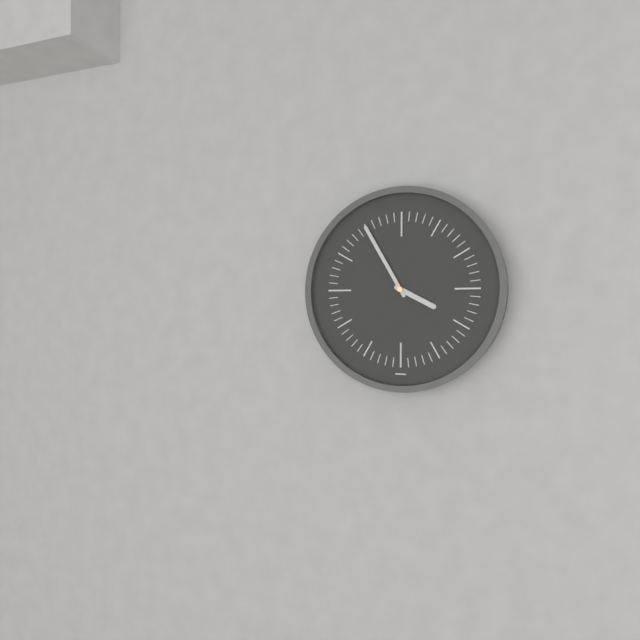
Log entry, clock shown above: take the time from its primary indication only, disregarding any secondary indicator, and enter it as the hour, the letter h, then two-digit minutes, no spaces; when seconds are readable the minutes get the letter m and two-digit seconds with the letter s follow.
3h55
